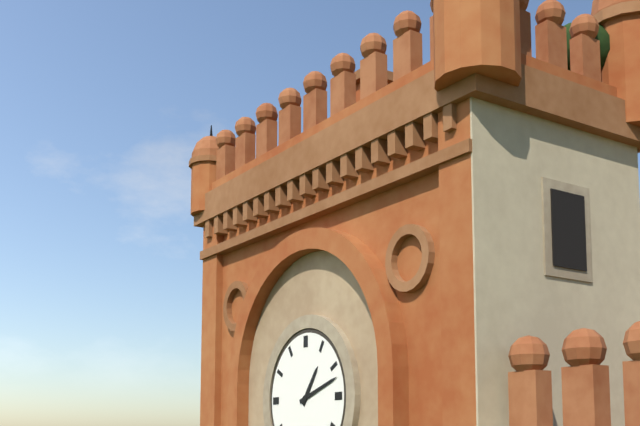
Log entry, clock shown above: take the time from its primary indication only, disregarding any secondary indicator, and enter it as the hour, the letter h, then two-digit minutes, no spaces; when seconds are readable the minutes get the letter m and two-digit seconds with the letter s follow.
1h12
